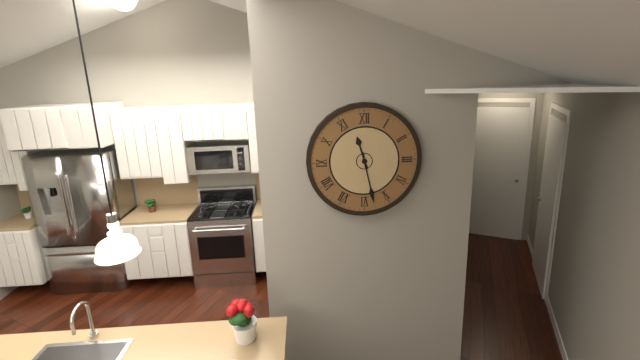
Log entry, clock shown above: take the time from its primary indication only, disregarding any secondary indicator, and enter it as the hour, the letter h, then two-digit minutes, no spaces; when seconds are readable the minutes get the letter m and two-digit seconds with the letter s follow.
11h28
